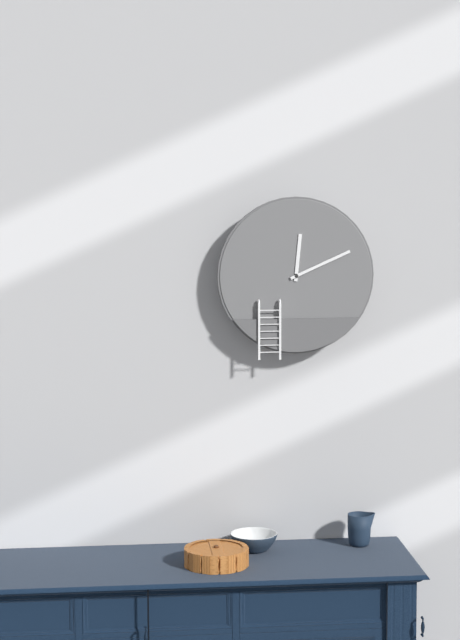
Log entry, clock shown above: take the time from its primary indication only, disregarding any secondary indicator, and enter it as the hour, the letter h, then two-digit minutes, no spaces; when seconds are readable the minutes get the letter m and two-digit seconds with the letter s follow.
12h11
